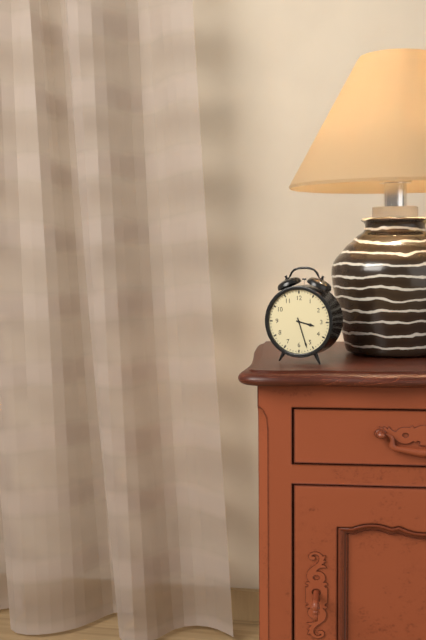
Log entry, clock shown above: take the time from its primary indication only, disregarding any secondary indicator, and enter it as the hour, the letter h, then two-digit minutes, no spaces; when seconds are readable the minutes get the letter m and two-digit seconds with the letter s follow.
3h27
